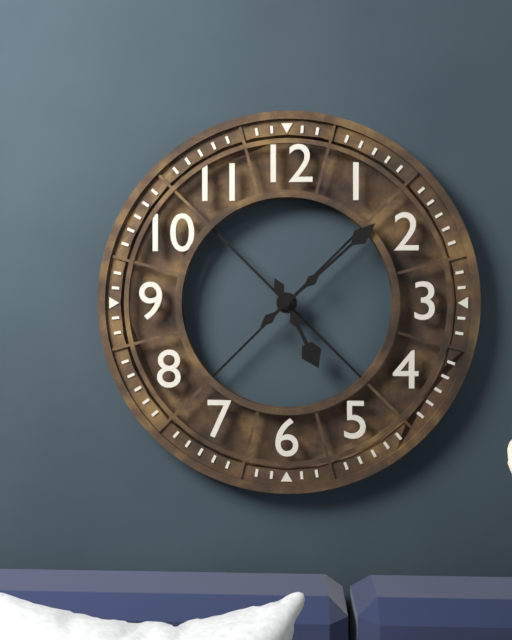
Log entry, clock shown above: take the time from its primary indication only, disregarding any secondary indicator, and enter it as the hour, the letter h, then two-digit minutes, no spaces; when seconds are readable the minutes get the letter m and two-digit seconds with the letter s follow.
5h08
